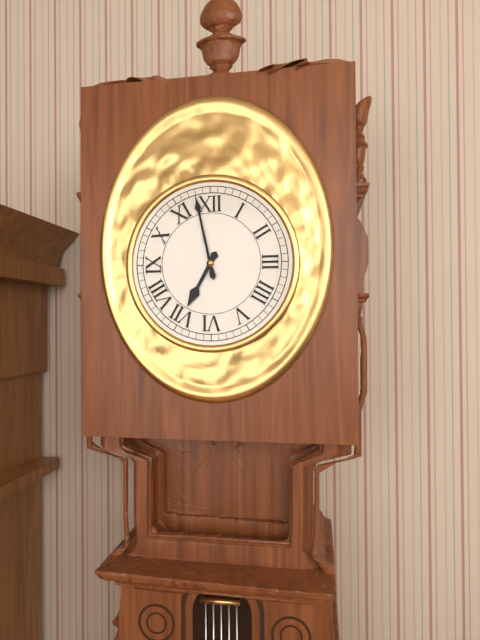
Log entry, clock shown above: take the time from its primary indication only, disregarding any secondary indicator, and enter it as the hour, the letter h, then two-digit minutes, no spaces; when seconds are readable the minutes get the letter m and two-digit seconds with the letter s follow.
6h58
